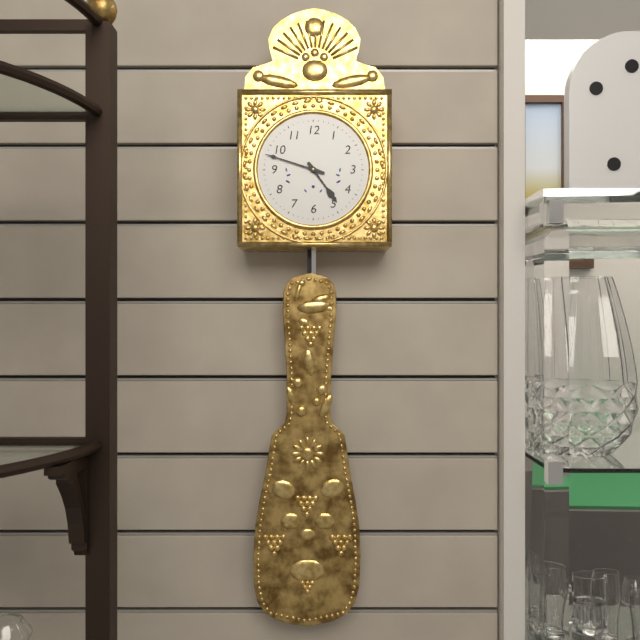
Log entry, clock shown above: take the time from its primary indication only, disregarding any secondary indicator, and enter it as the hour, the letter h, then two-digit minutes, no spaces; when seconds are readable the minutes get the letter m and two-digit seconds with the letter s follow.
4h48
